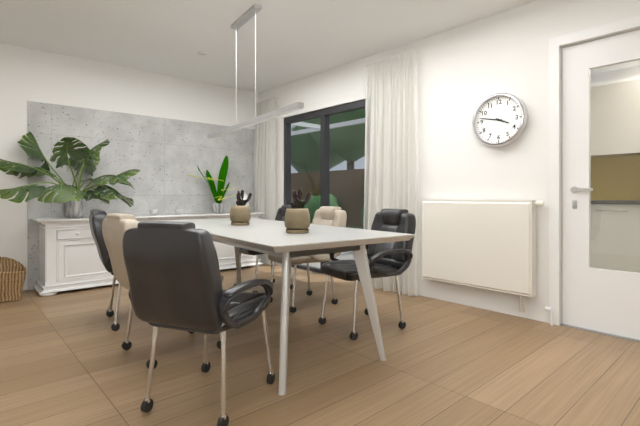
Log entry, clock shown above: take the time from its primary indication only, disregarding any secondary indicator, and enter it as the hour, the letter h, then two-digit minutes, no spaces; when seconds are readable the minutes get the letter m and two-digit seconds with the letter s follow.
3h47
